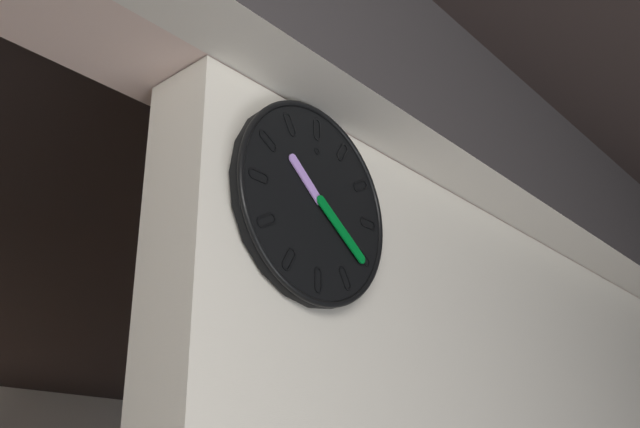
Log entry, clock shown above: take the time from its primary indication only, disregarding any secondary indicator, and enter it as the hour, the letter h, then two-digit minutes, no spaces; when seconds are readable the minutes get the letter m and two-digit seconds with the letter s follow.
10h21
